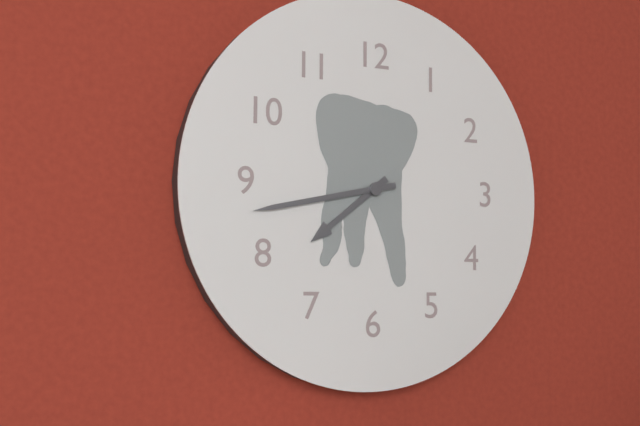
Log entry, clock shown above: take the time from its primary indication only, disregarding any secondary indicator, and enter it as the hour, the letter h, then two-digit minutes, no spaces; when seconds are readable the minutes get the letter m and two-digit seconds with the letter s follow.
7h43
